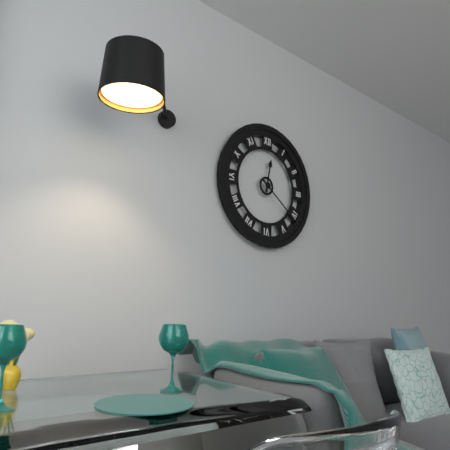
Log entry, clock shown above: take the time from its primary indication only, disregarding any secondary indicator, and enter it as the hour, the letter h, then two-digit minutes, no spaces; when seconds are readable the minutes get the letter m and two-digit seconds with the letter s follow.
12h21
